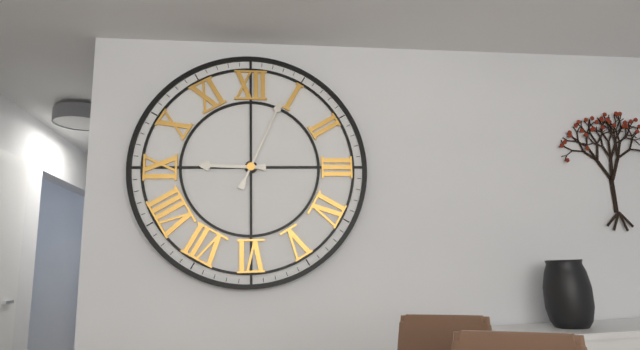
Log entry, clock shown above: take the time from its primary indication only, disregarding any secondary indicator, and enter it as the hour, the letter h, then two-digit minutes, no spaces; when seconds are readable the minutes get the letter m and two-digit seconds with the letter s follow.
9h04
